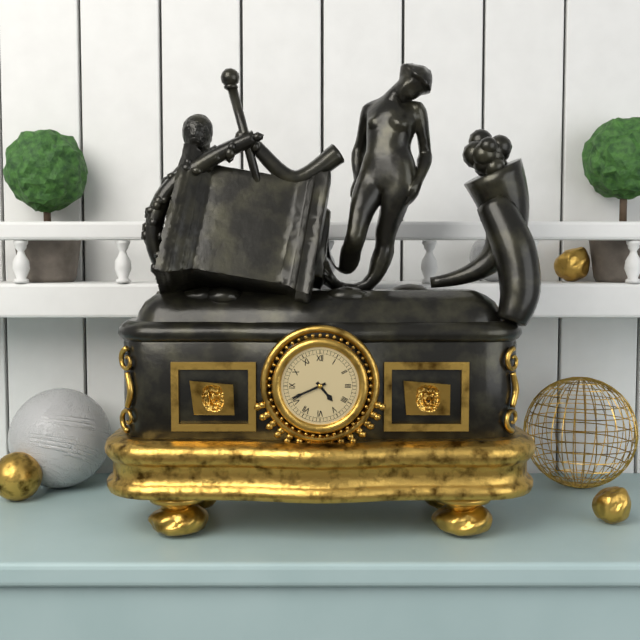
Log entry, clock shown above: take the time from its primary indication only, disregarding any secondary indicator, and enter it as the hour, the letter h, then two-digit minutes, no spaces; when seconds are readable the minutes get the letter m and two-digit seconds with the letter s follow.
4h41
